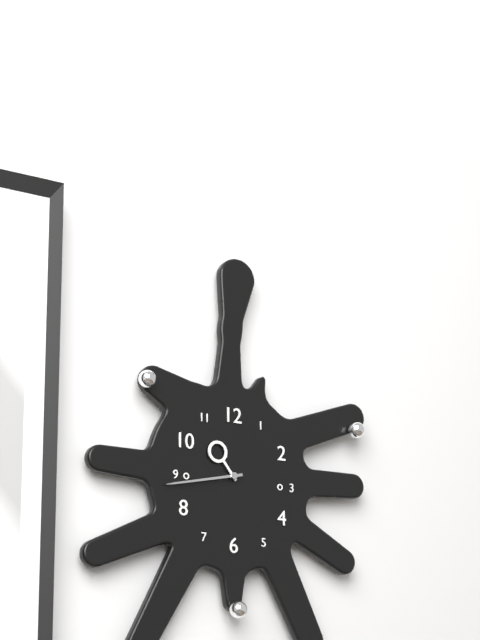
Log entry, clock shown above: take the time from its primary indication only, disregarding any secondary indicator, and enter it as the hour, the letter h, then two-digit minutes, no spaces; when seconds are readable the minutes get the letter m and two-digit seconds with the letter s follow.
10h43
